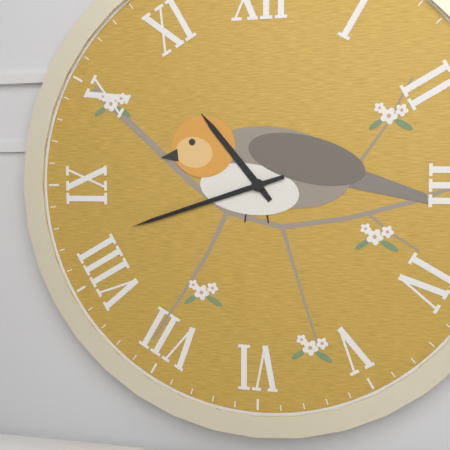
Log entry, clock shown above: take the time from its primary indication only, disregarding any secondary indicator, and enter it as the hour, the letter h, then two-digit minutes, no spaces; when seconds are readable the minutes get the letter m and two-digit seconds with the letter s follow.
10h42
